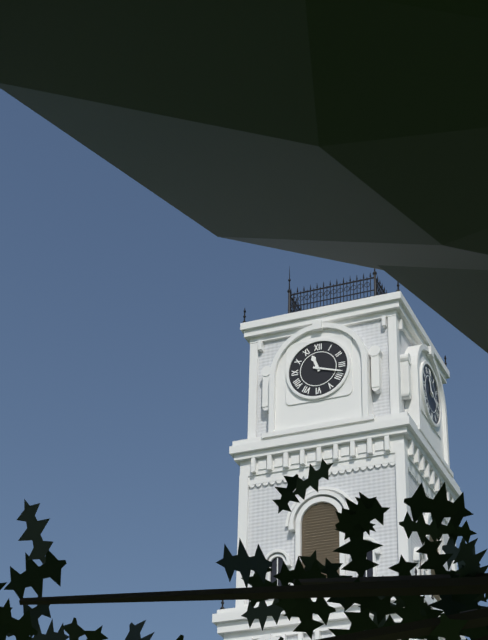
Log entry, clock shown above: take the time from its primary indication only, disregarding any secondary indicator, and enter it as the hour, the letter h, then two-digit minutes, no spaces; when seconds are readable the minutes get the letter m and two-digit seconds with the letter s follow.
11h18
